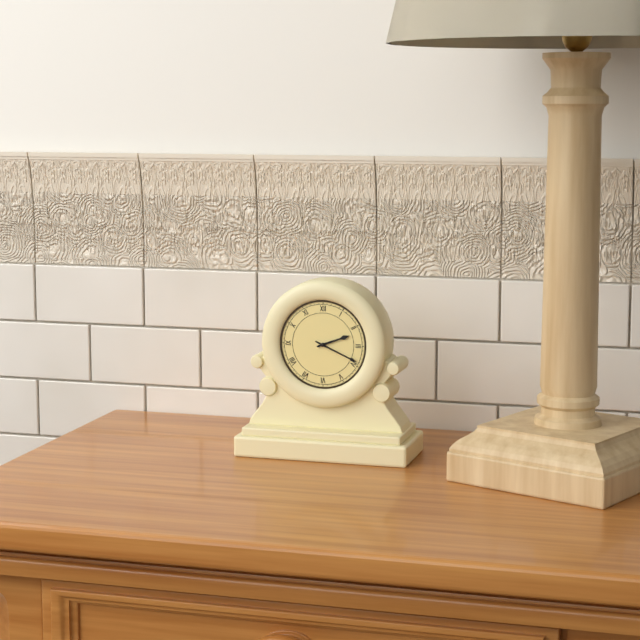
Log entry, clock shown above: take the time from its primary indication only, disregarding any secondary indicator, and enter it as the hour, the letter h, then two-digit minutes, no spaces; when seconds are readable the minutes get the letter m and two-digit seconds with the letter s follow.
2h19
